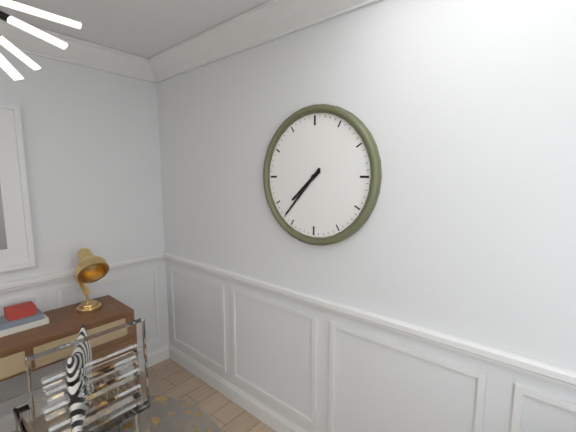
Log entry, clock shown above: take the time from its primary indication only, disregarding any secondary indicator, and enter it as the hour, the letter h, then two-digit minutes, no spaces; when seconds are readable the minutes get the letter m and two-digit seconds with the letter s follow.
7h37
